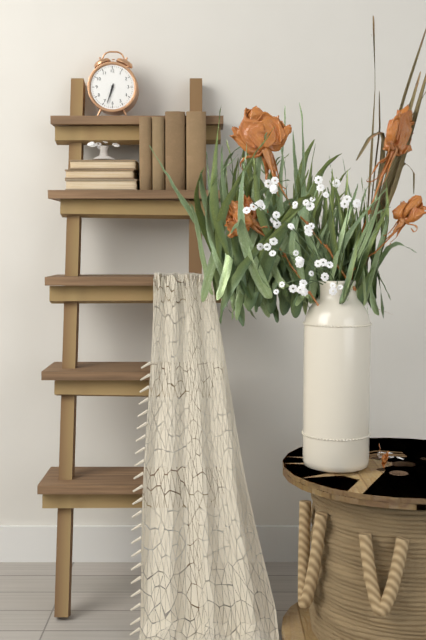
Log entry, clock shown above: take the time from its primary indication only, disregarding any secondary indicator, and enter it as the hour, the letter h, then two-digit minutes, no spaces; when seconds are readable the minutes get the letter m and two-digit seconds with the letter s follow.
6h33
